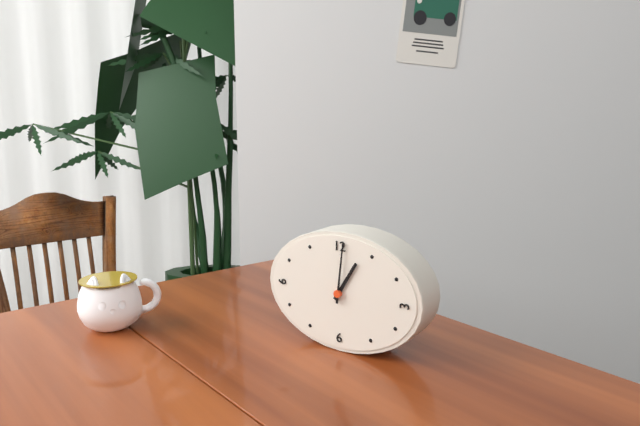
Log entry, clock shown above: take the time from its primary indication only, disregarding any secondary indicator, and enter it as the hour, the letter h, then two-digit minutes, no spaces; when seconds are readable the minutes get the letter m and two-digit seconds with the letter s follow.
1h01
